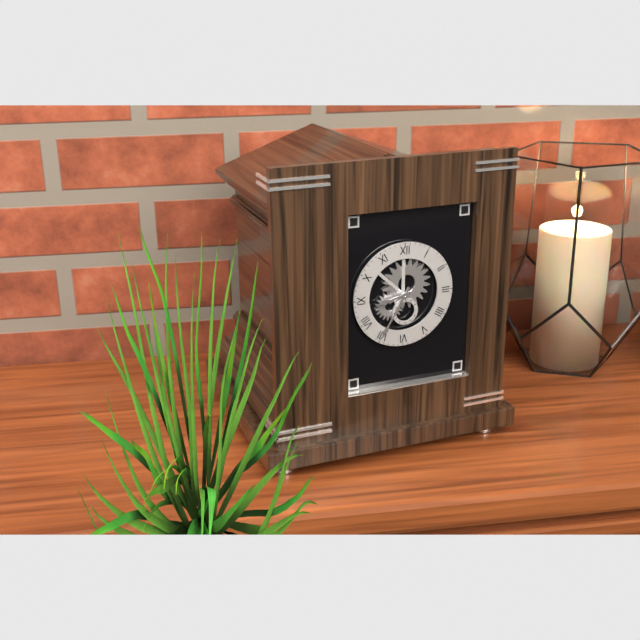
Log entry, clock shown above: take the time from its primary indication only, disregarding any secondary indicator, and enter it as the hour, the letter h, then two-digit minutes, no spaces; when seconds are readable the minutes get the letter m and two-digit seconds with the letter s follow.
8h35
